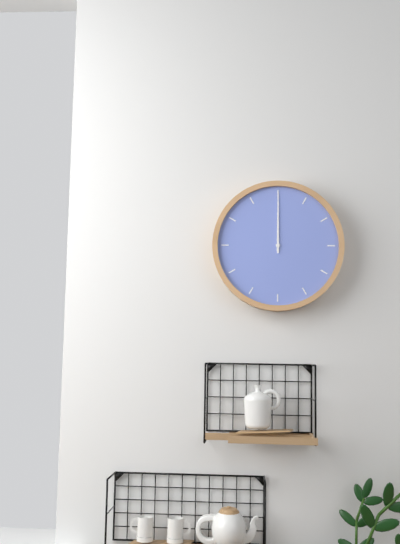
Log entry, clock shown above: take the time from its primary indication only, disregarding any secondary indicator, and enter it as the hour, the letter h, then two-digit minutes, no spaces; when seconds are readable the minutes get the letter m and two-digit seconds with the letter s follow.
12h00
